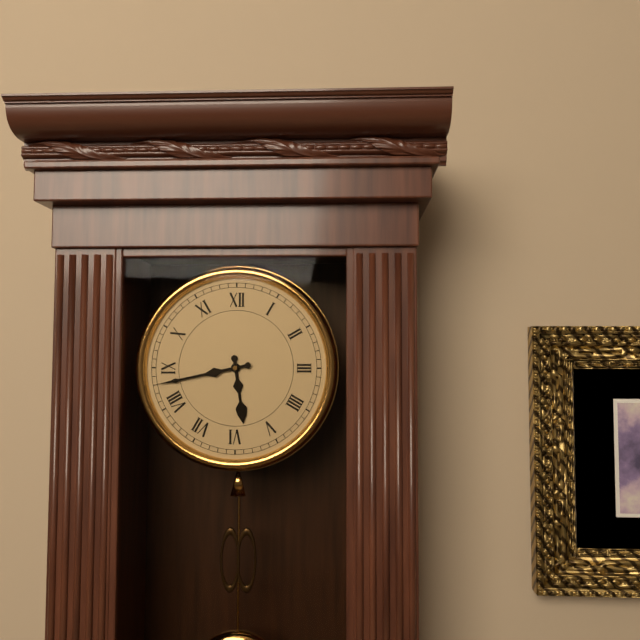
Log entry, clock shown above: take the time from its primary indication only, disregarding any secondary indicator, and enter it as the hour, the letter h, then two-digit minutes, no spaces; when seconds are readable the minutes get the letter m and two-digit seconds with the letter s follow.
5h43
